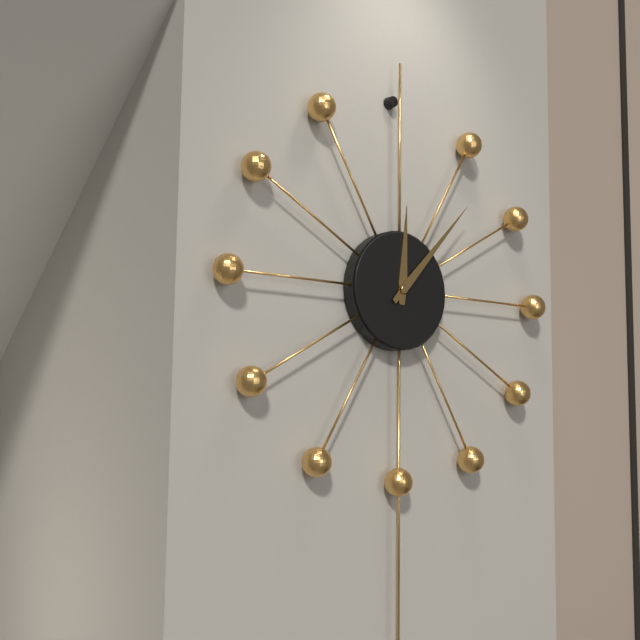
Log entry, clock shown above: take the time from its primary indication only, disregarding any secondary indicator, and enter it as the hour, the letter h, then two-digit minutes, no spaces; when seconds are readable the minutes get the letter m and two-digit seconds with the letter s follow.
12h07
